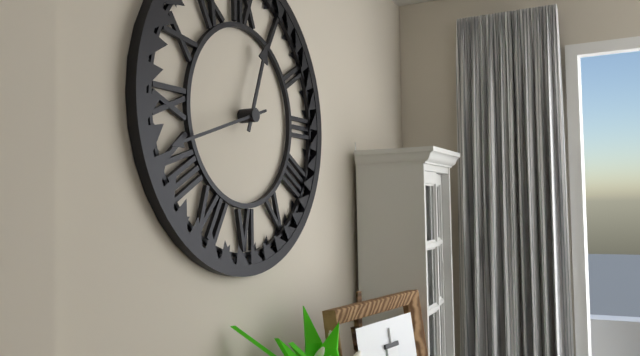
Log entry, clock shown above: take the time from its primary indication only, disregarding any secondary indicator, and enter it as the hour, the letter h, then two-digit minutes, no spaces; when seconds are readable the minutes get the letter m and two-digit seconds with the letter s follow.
12h42
